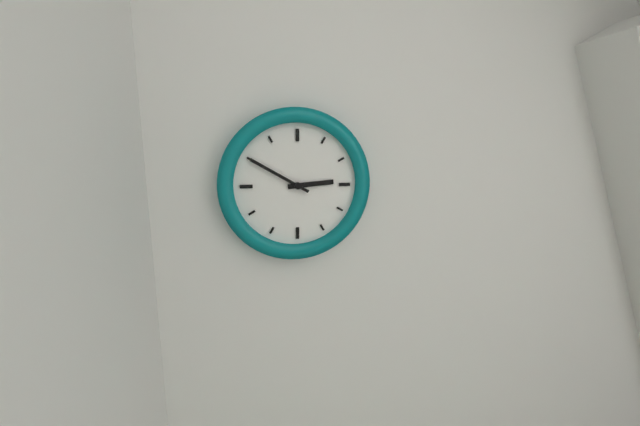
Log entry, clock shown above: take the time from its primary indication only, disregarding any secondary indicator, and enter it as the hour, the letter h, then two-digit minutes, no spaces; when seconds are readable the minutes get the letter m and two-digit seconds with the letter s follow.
2h50
